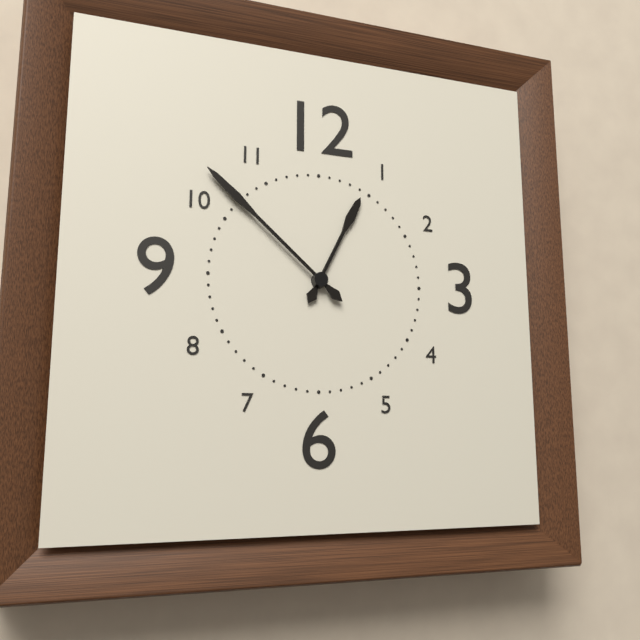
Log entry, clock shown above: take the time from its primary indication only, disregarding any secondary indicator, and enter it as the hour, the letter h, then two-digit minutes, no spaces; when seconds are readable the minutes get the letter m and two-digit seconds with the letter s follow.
12h52
